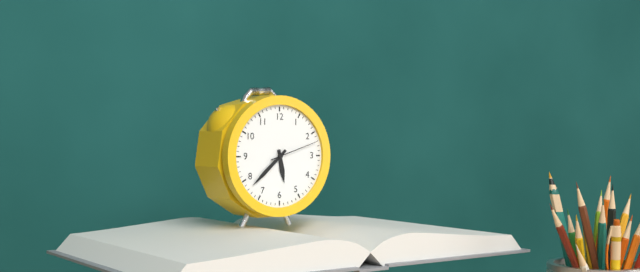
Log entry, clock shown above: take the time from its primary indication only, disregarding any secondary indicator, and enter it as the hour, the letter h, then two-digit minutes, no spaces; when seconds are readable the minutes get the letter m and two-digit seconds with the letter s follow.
5h38
